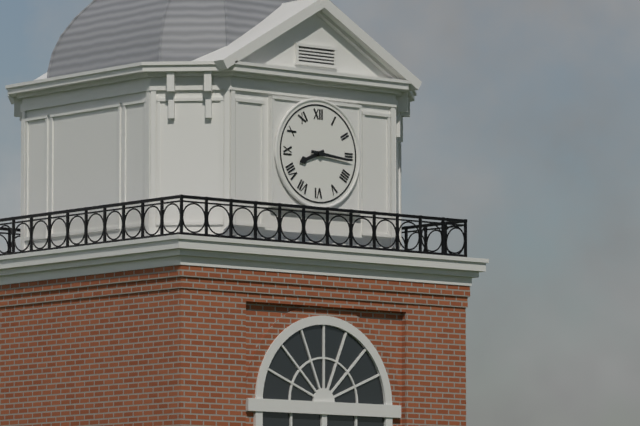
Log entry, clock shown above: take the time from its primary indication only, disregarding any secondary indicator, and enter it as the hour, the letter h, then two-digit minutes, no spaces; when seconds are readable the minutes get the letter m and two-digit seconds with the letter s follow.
8h16
